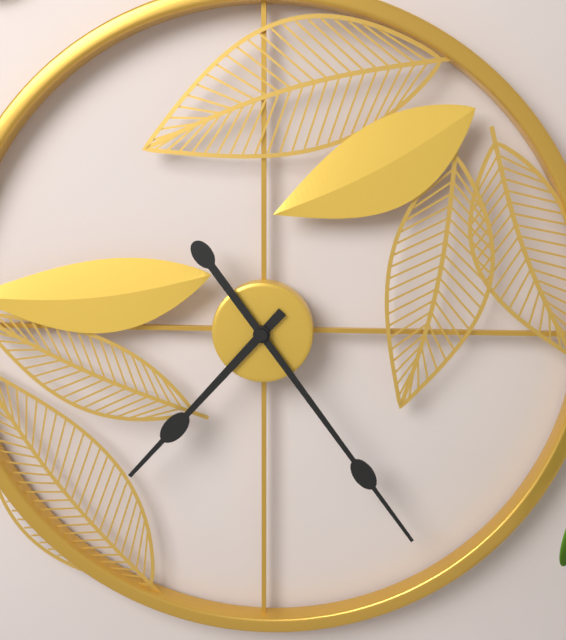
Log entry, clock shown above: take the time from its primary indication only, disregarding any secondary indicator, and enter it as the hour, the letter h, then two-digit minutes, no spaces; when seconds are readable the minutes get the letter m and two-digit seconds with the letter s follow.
7h24
